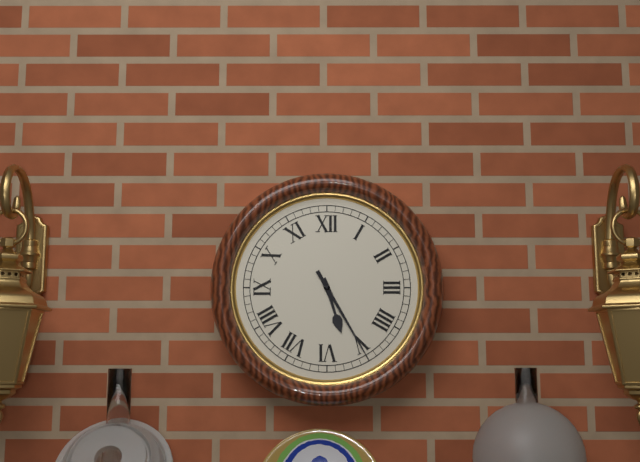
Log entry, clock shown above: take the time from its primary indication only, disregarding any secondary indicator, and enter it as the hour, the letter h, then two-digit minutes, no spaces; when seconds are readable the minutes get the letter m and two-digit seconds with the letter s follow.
5h25
